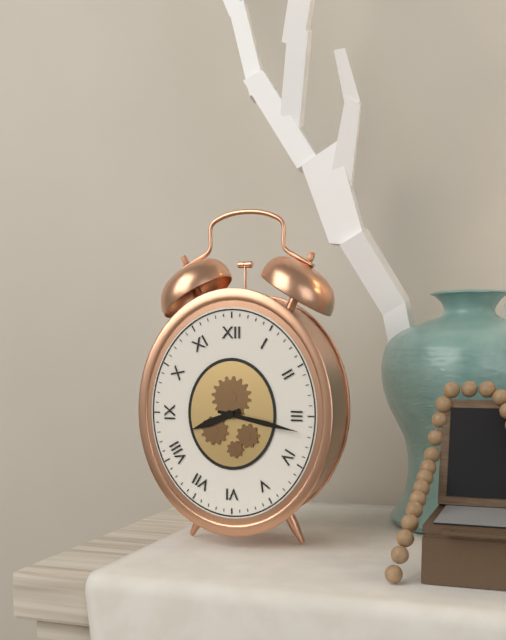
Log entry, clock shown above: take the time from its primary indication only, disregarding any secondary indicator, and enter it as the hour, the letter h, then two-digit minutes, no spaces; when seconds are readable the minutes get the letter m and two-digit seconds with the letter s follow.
8h17
